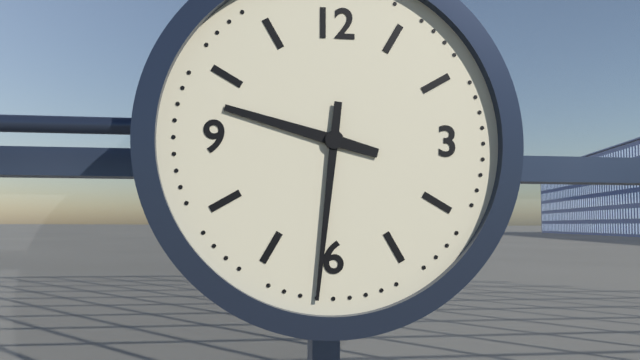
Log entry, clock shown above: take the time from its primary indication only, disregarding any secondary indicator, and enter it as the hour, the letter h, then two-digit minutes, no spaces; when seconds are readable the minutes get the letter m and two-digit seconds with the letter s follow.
9h31
